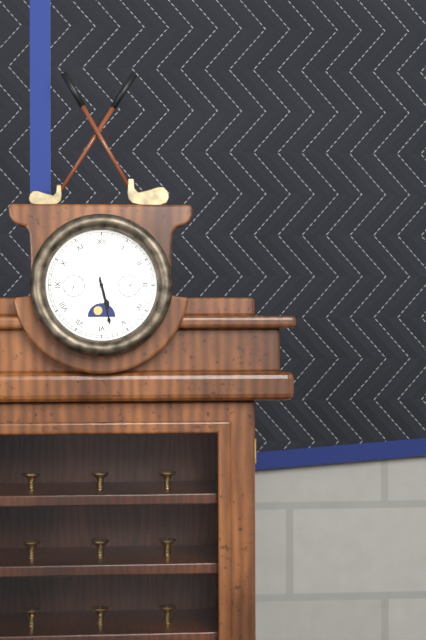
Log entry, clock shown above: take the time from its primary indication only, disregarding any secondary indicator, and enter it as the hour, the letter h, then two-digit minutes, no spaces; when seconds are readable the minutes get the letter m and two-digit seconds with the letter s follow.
5h28
